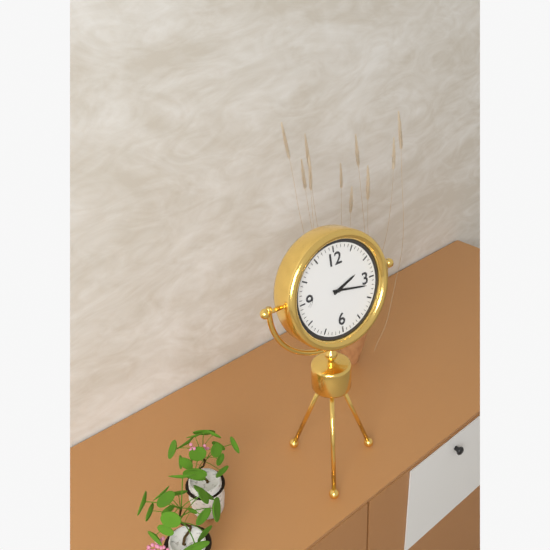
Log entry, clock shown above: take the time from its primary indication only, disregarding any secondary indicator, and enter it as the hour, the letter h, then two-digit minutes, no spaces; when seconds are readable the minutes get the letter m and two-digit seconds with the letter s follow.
2h17
